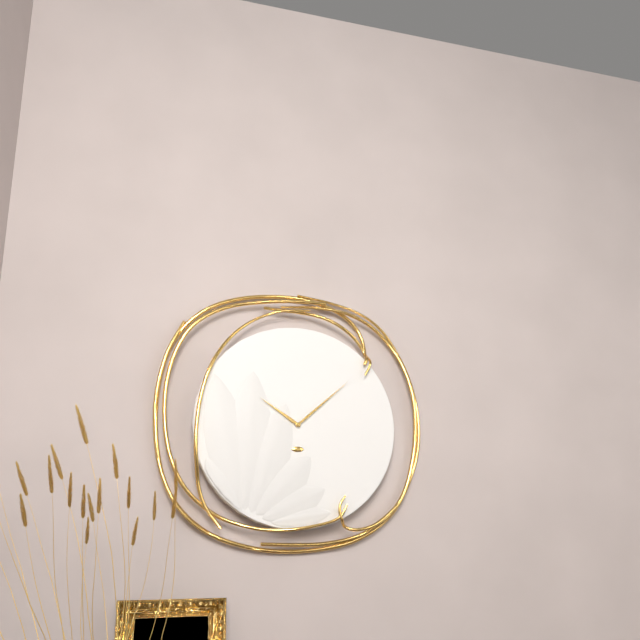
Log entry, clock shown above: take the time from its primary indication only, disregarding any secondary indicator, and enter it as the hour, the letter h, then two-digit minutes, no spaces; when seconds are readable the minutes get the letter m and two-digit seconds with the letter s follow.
10h08
